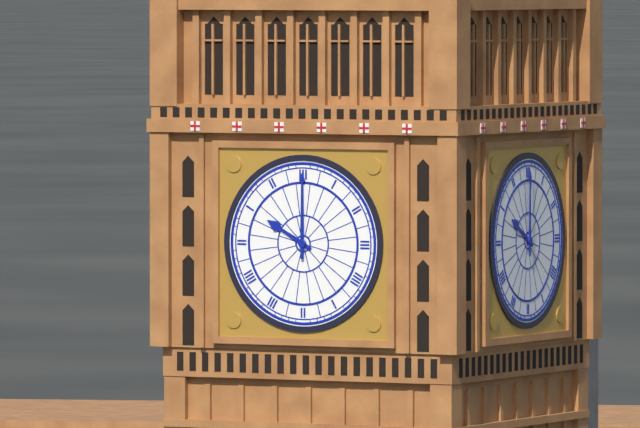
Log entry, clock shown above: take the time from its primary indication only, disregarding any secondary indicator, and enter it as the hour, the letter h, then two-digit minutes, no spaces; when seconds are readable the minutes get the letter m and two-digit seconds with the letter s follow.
10h00
